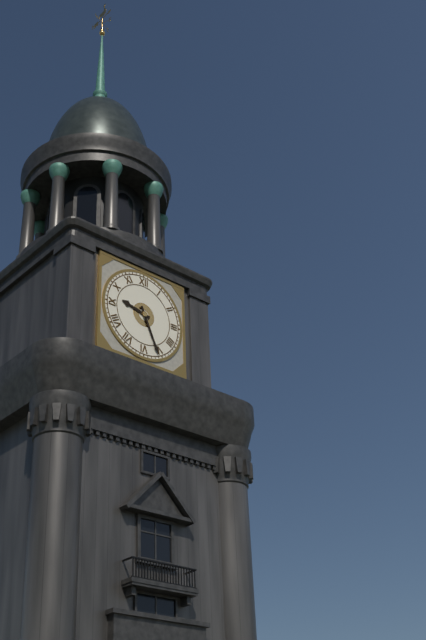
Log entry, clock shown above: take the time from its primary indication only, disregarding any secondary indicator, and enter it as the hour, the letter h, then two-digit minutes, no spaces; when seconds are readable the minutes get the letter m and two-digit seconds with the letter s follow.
9h26
